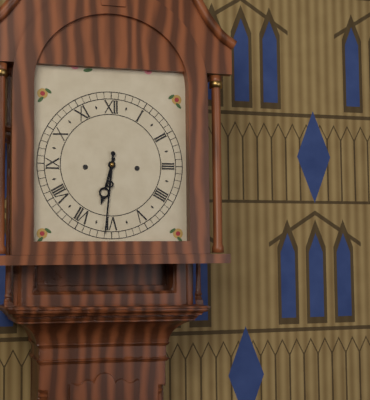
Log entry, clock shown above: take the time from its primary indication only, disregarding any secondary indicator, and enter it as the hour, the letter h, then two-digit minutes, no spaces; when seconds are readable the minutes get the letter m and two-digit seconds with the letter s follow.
6h31
